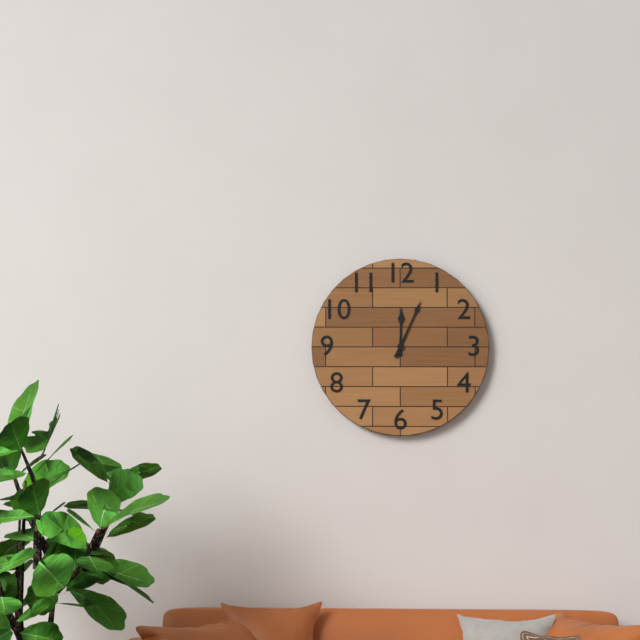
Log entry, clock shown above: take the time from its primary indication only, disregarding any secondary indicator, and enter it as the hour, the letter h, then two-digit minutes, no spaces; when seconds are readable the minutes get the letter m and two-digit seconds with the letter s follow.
12h04
